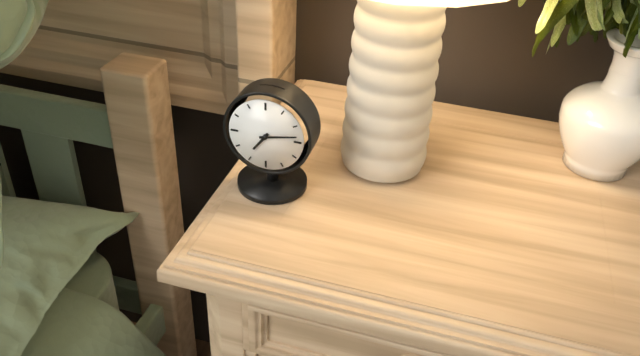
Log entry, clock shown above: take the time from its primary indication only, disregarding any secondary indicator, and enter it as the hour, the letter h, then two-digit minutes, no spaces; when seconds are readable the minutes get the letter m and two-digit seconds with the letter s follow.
7h13
